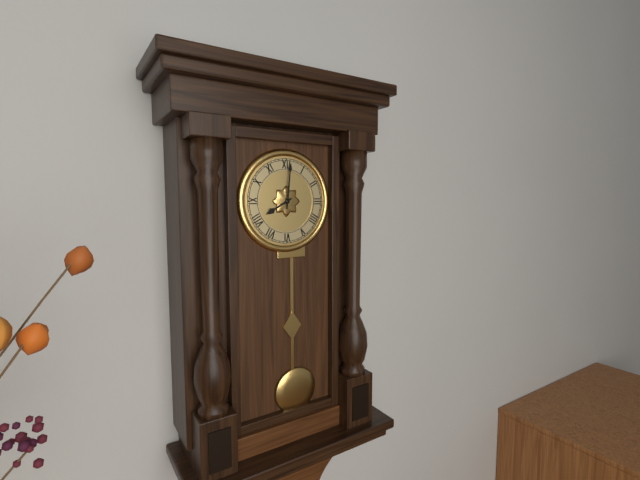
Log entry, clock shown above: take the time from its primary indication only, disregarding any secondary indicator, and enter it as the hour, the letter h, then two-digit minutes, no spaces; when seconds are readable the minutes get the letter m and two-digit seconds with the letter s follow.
8h01
